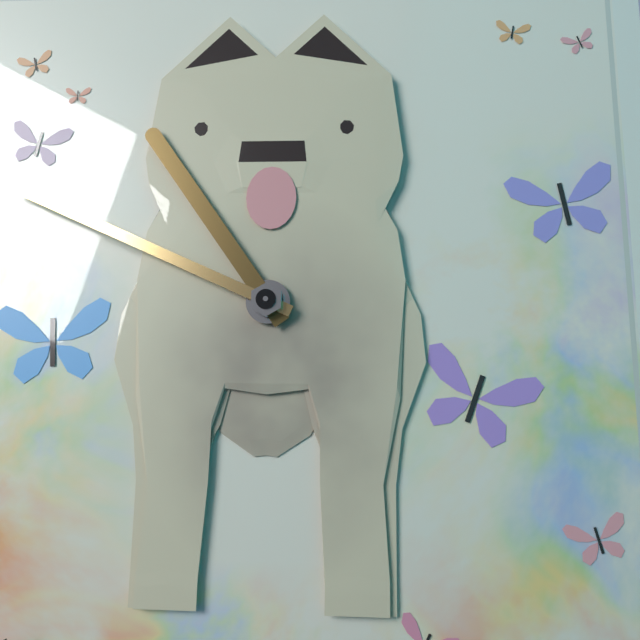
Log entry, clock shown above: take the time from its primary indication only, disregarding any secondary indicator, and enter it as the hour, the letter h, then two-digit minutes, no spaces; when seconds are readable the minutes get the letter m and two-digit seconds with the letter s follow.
10h49
